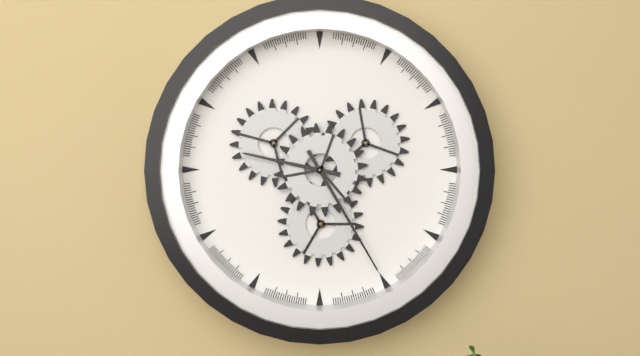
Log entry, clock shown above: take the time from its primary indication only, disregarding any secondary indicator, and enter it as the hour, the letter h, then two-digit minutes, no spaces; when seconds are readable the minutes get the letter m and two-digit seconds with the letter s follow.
9h25
